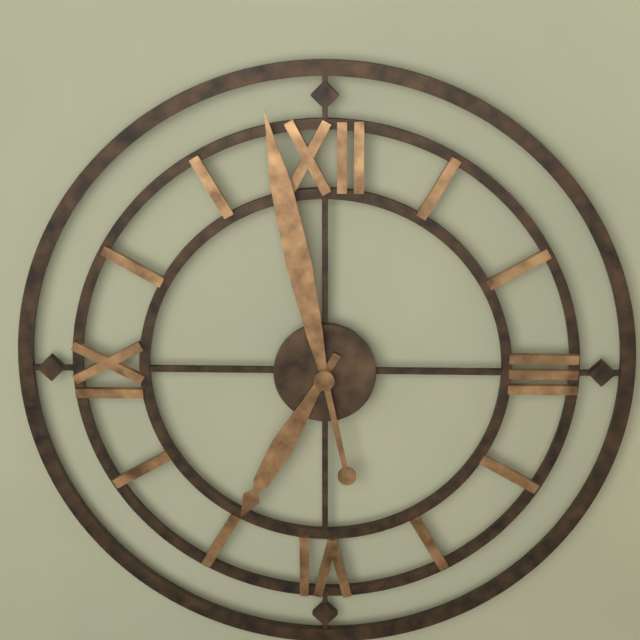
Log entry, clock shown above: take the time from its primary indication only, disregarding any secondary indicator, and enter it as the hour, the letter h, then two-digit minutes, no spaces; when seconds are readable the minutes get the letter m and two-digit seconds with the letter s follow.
6h58
